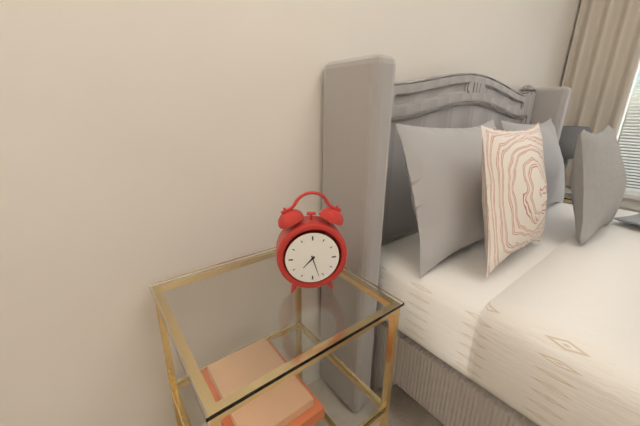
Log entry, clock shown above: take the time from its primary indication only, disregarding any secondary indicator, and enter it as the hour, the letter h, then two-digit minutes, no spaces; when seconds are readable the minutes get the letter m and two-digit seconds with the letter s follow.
7h27
